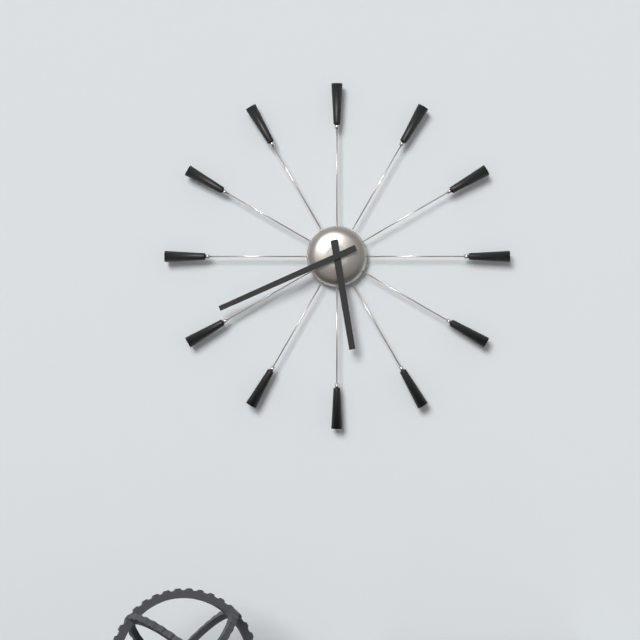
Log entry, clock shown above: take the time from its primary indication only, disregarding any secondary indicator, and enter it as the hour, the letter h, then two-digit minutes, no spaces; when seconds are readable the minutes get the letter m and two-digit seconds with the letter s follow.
5h41
